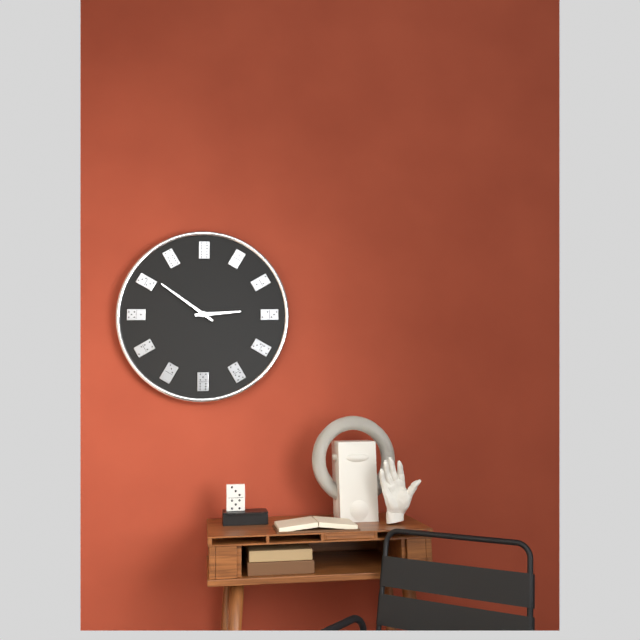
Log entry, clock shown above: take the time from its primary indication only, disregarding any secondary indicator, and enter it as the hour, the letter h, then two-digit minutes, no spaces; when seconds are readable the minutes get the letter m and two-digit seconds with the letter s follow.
2h51
